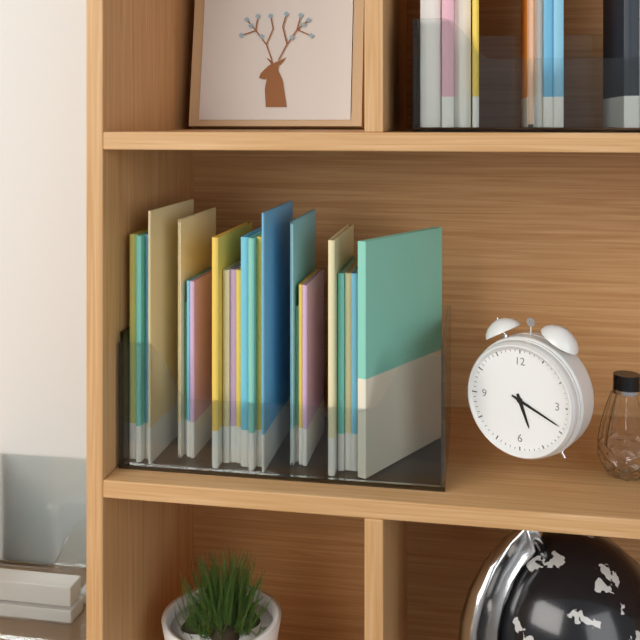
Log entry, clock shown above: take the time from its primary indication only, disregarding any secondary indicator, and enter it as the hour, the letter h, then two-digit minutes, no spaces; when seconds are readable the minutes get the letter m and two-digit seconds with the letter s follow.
5h19
